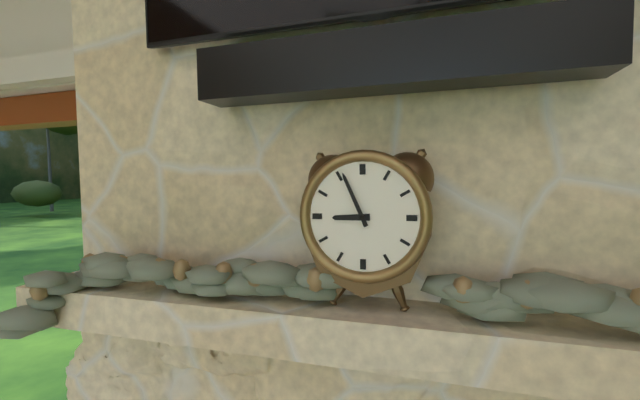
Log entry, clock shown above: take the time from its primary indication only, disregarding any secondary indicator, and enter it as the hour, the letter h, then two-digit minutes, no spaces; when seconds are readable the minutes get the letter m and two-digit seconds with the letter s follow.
8h56
